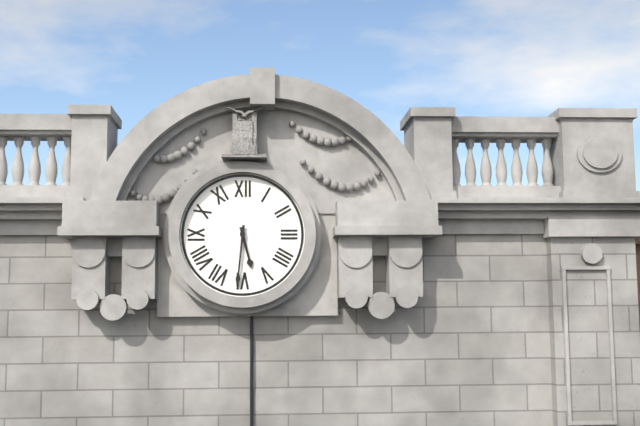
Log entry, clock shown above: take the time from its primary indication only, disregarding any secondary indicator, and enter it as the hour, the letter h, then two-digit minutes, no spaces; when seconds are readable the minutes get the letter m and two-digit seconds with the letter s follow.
5h31
